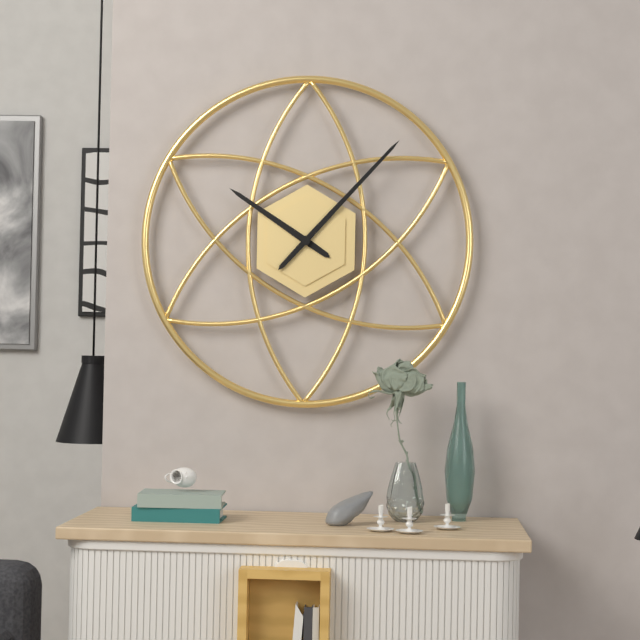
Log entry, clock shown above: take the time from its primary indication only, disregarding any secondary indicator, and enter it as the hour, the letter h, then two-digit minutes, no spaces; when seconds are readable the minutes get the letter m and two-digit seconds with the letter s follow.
10h07
